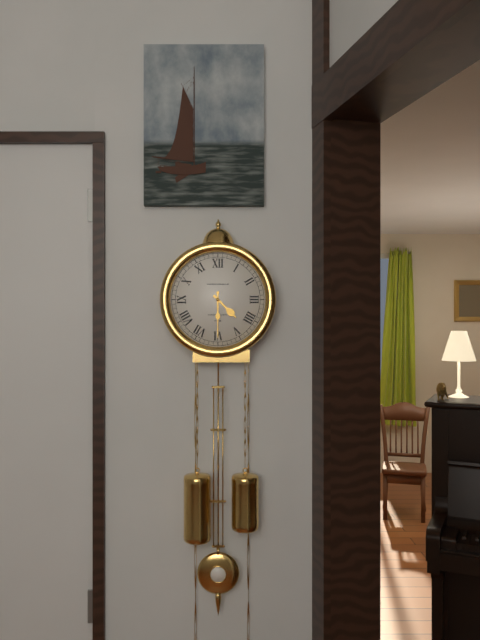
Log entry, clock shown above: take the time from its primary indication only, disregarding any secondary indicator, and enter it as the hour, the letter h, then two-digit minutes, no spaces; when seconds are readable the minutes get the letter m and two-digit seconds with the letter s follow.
4h30
